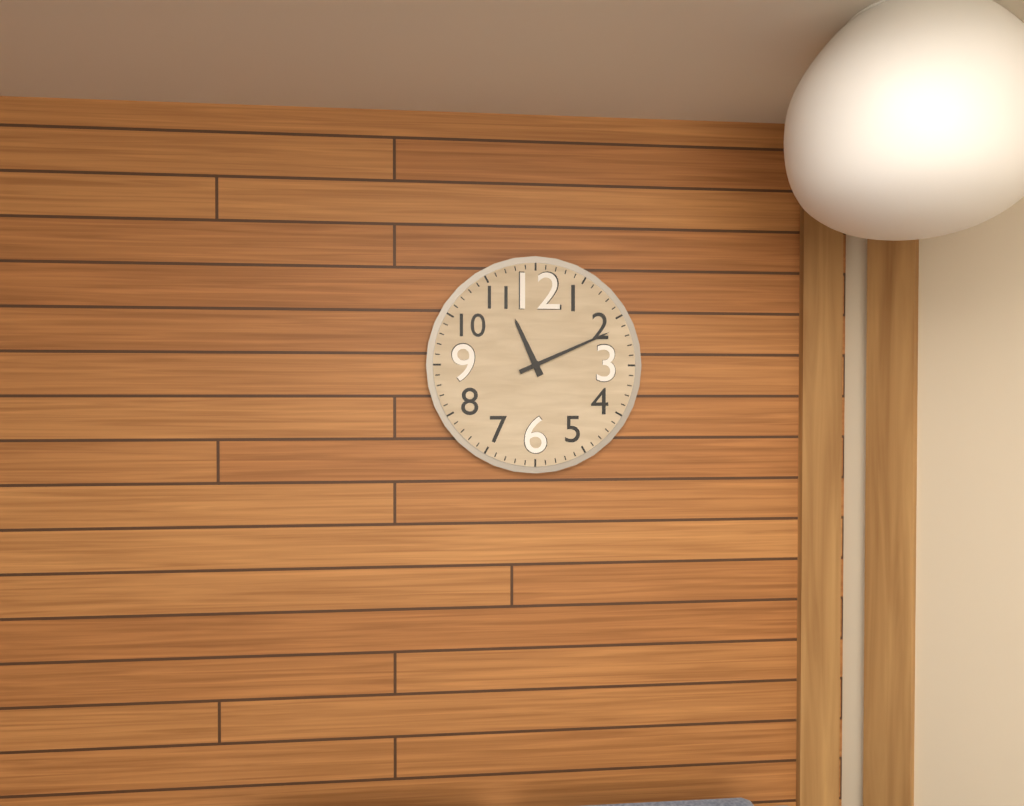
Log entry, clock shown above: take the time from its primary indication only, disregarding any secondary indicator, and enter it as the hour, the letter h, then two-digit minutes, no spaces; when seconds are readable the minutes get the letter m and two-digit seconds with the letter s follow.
11h11
